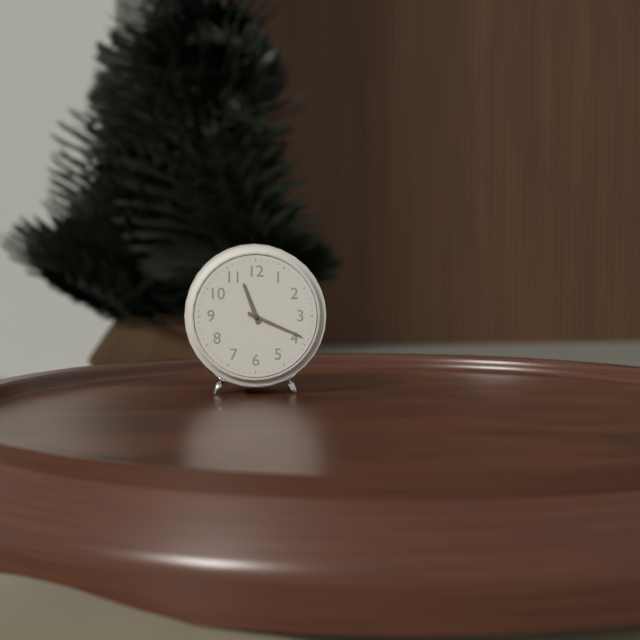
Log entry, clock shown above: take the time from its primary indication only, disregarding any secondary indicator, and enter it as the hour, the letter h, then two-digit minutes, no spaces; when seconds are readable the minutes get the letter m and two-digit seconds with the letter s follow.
11h19
